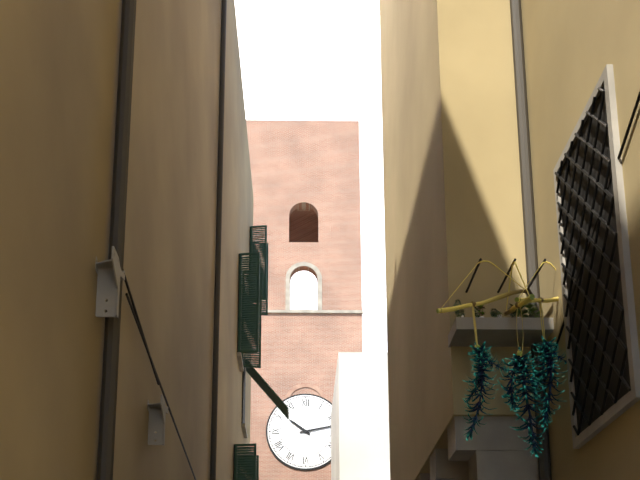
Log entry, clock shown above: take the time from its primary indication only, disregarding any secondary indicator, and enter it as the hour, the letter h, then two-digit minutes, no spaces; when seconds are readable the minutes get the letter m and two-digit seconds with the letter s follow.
10h13
